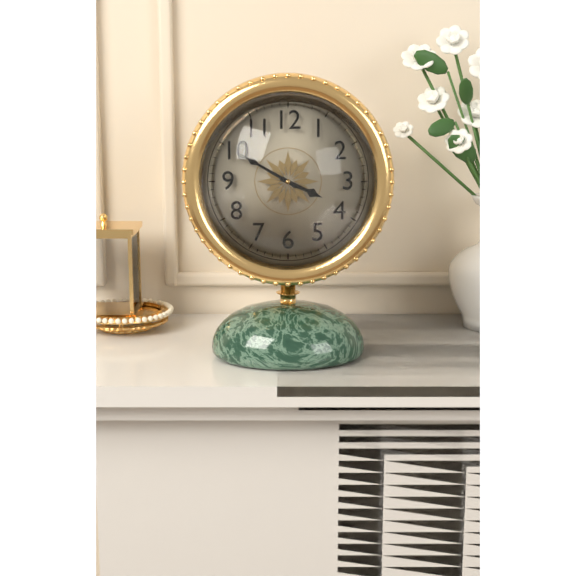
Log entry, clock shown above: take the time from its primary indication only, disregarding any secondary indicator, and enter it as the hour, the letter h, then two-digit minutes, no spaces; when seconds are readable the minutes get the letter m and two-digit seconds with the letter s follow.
3h50
